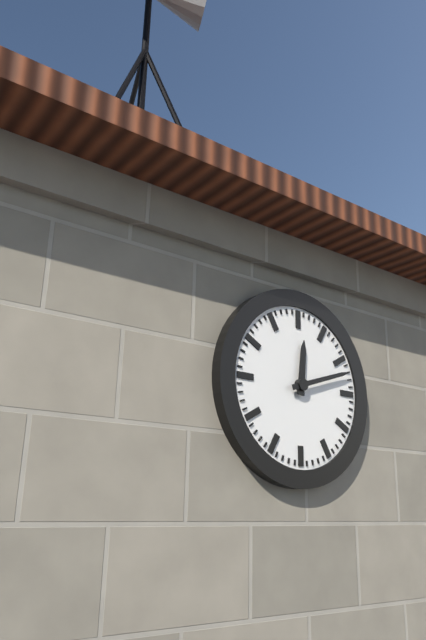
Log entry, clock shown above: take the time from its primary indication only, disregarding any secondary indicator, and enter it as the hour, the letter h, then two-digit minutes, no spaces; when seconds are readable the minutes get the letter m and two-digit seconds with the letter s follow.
12h12
